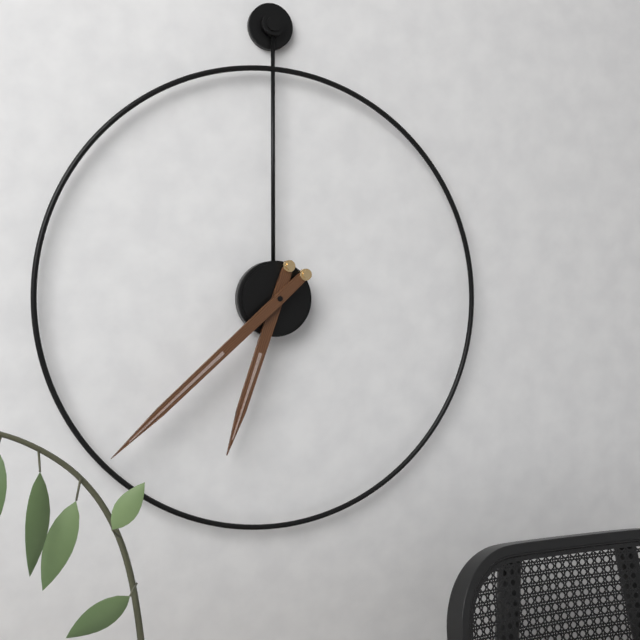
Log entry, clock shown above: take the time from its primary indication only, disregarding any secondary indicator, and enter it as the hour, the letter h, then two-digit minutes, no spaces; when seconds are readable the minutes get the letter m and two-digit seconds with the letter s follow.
6h38
